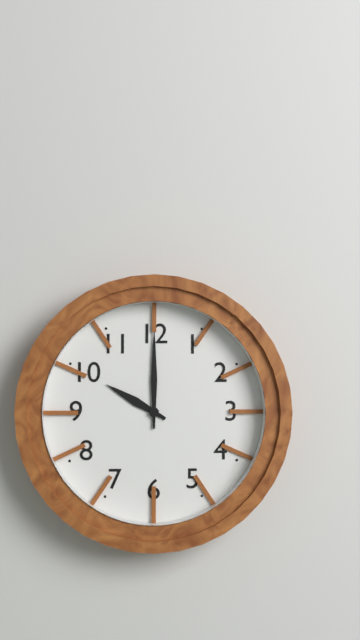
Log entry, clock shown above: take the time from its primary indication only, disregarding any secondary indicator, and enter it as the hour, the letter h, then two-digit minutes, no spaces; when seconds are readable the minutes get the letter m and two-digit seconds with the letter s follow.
10h00
